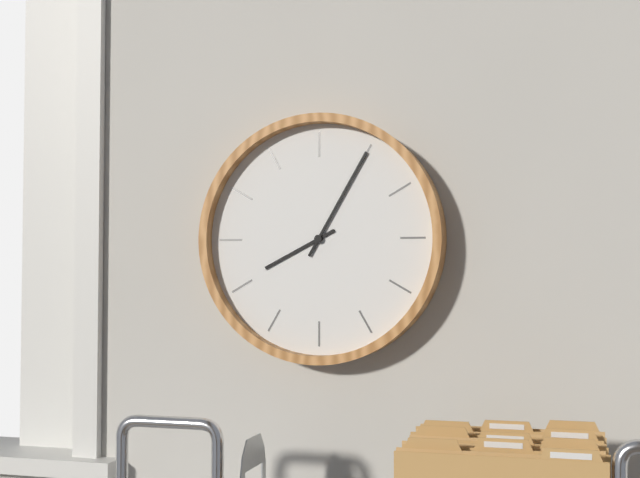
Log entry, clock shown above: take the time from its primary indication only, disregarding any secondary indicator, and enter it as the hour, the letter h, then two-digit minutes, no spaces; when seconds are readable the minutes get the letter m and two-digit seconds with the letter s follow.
8h05
